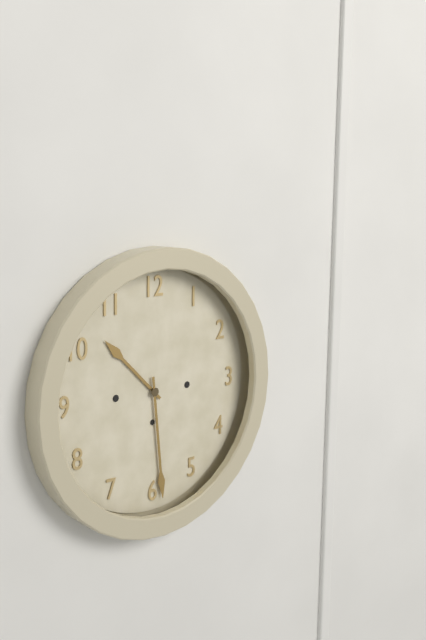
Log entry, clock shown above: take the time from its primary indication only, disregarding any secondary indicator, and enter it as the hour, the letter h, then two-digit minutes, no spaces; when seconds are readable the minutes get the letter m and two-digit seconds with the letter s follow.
10h29
